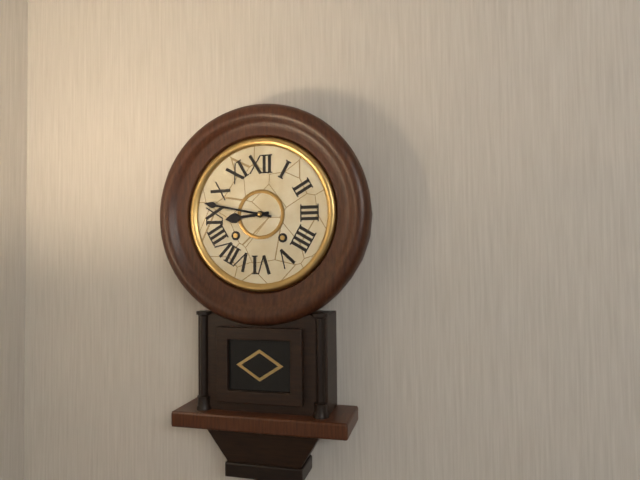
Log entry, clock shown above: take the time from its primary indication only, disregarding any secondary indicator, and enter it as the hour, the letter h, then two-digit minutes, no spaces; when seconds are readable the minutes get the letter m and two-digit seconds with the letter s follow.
8h47
